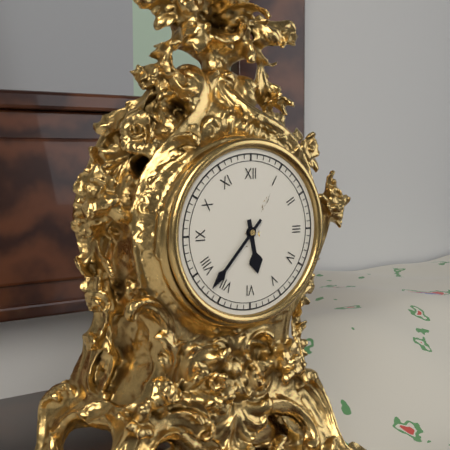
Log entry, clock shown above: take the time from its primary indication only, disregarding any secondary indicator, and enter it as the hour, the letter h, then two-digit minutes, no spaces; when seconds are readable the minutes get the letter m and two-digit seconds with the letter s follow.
5h37
